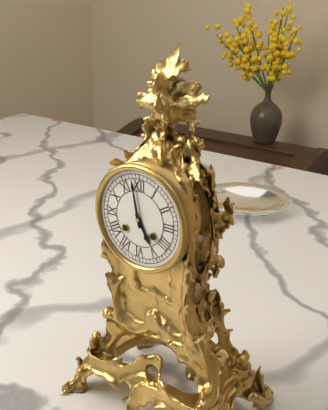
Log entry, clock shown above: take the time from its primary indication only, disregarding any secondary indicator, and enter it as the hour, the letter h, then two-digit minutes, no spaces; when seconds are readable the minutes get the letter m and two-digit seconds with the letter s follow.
4h58
